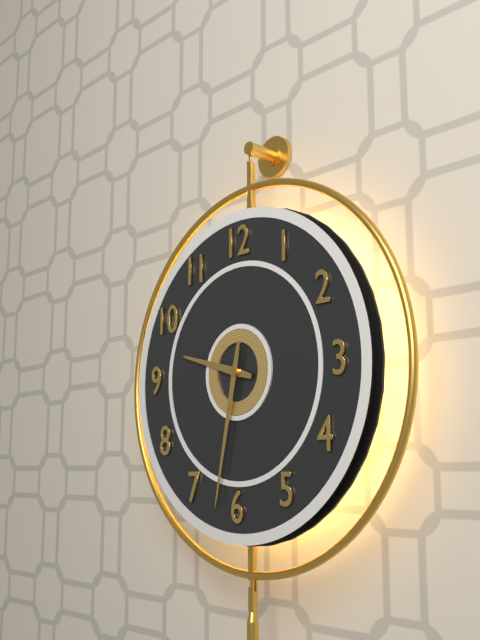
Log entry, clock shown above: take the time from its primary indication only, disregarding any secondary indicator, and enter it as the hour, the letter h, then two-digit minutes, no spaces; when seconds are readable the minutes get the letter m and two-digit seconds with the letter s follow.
9h32
